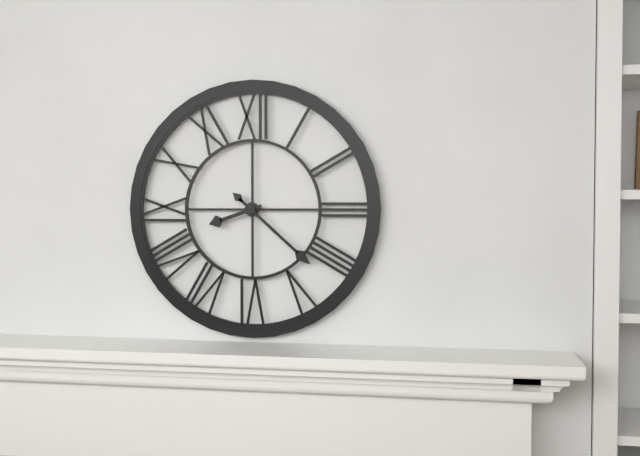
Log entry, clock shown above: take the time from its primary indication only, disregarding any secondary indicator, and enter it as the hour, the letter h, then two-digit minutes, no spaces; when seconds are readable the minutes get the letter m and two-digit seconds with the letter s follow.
8h22
